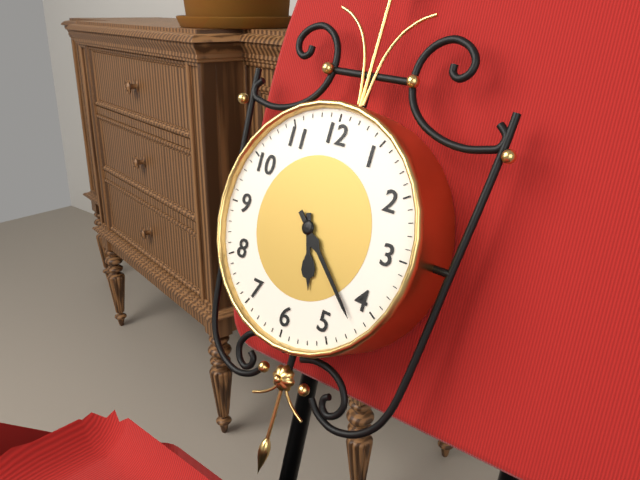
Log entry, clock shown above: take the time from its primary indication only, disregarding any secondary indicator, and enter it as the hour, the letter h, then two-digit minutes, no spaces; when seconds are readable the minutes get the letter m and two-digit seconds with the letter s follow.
5h22
